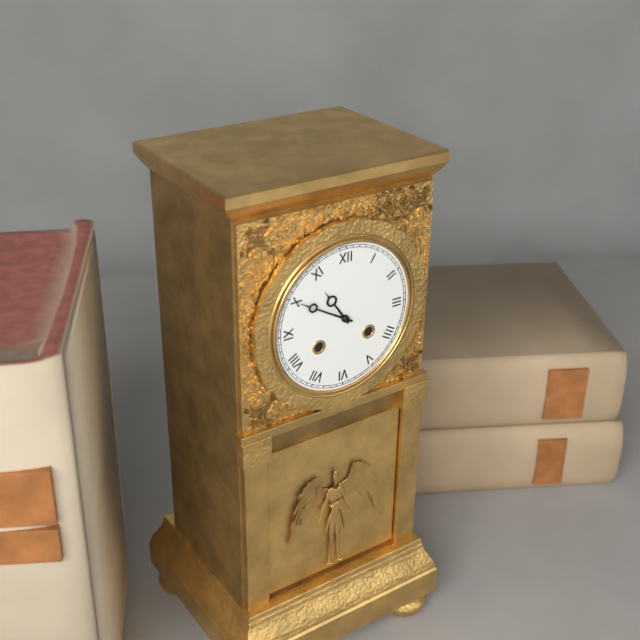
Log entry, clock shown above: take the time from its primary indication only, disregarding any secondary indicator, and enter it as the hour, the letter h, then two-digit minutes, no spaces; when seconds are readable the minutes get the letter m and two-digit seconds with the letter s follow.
10h50
